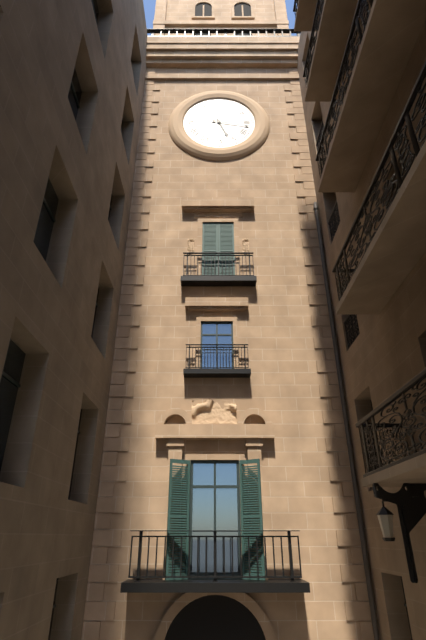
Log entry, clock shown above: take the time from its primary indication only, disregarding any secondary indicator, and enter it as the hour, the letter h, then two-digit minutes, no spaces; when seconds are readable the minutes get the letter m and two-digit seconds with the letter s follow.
5h17
